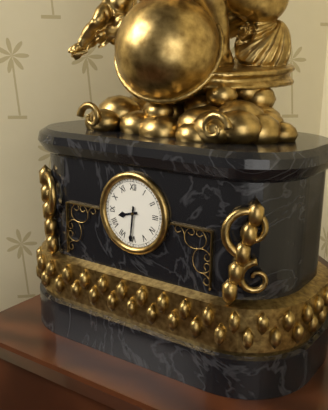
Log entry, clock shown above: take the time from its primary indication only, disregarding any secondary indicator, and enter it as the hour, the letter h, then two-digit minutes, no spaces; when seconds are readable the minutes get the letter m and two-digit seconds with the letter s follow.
8h31
